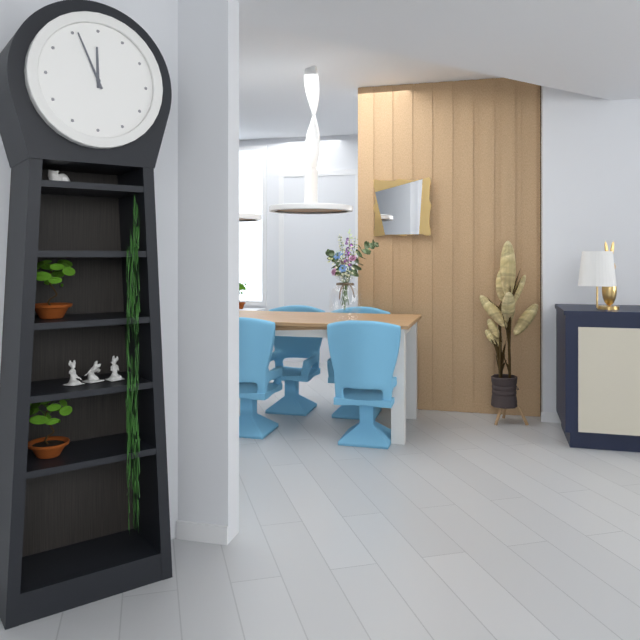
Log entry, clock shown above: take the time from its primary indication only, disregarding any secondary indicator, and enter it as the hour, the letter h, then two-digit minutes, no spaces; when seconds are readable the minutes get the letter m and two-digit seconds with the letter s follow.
11h56
